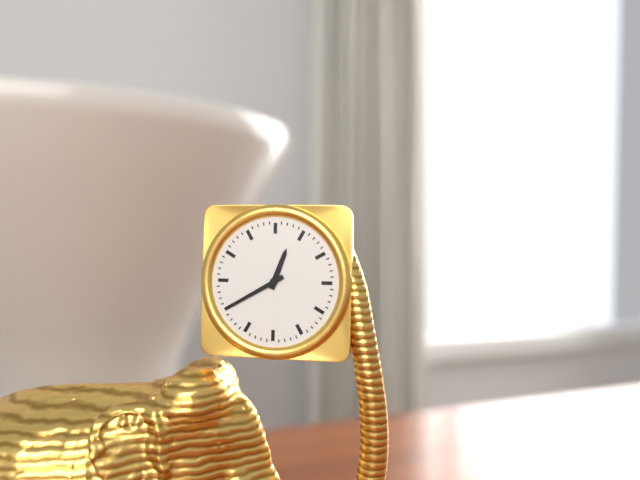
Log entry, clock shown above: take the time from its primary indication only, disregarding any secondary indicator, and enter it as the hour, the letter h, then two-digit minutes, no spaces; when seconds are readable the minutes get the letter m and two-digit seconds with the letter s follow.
12h40
